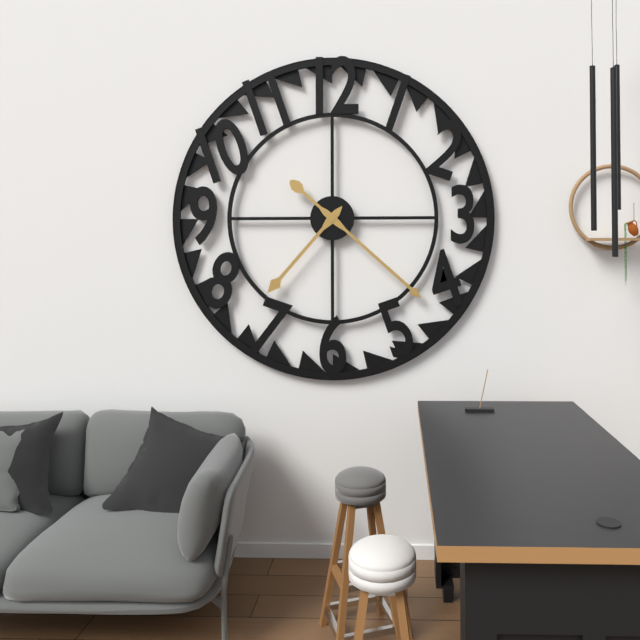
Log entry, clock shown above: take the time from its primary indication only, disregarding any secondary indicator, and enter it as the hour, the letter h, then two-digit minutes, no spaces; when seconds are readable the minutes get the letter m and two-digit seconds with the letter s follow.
7h22
